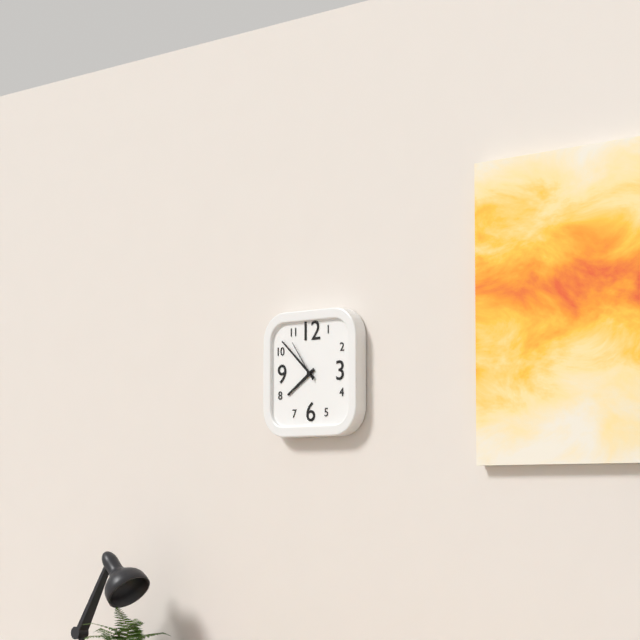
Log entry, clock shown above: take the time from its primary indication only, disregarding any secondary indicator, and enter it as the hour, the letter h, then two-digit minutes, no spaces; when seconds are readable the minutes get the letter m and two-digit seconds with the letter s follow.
7h52
